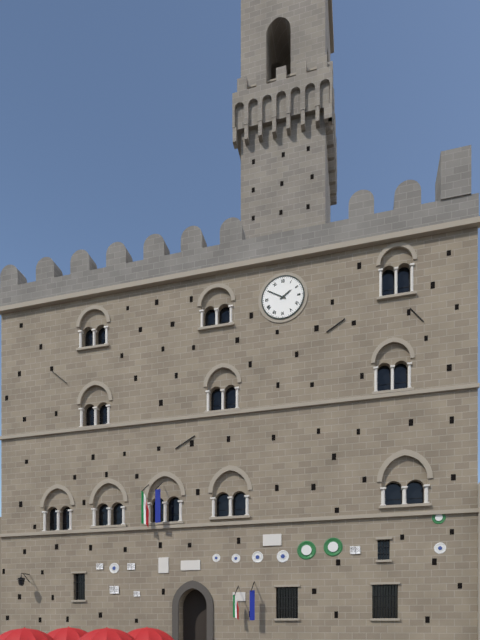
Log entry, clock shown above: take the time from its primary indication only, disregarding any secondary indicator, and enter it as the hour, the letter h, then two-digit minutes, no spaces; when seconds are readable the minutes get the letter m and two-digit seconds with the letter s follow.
1h50
